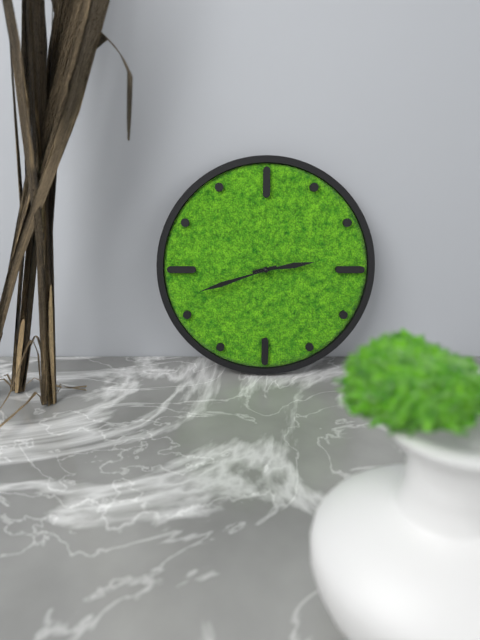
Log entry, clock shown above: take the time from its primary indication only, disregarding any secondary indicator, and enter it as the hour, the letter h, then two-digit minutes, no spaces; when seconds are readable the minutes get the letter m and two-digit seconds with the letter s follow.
2h42
